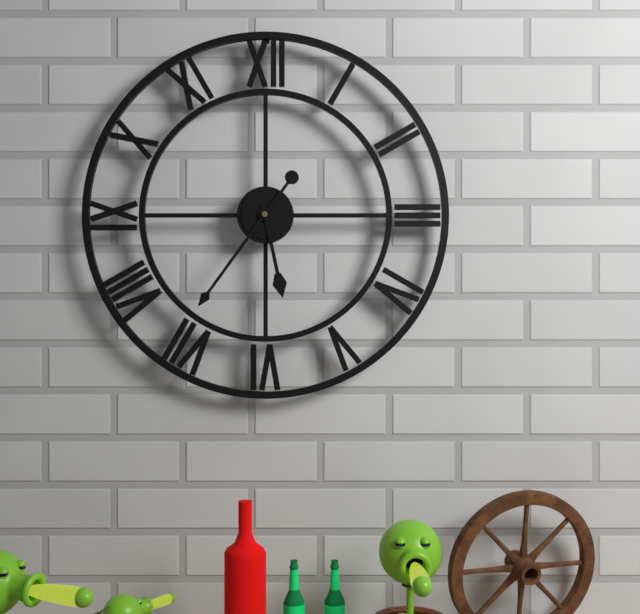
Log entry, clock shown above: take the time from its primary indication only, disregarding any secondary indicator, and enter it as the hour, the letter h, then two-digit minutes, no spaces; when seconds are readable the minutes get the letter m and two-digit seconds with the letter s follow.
5h36
